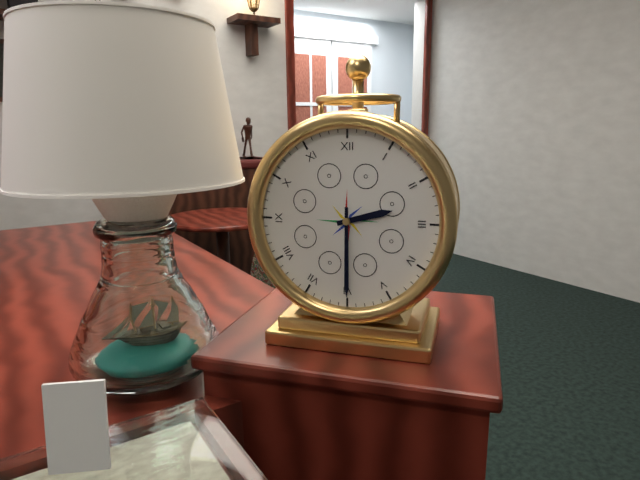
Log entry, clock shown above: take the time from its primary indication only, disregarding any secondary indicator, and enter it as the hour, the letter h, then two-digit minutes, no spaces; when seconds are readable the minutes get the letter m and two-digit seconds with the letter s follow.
2h30
